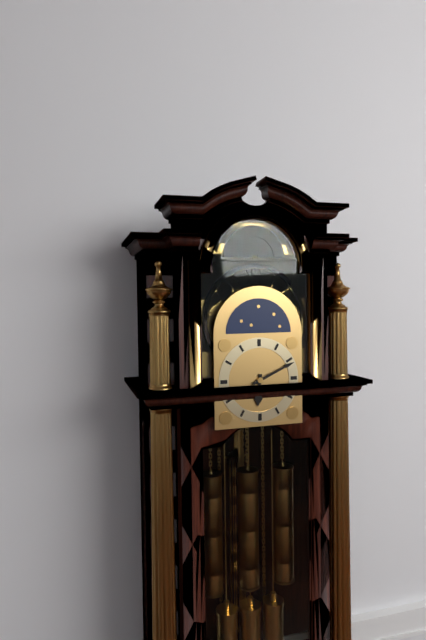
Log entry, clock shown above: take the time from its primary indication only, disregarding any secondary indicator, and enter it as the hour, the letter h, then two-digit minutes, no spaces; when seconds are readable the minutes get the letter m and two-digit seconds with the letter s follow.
6h11
